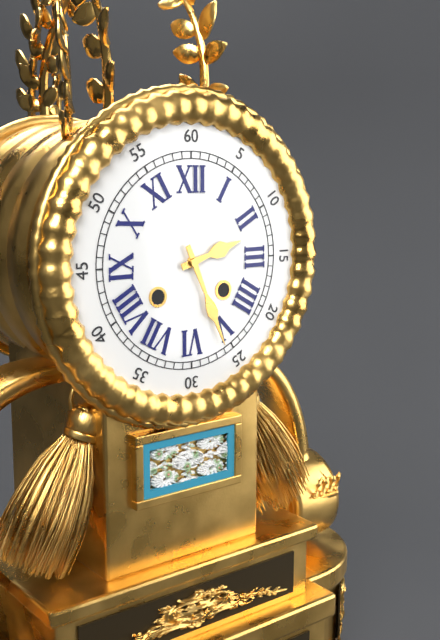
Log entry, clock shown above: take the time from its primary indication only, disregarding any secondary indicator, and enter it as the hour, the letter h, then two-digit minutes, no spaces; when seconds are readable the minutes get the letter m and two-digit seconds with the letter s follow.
2h26
